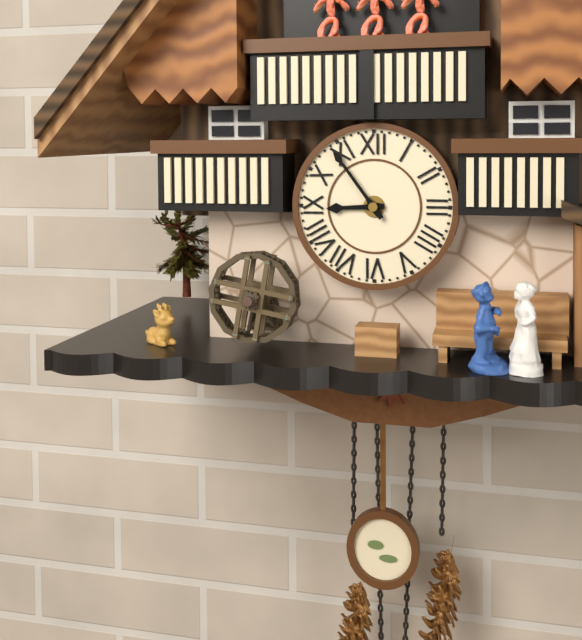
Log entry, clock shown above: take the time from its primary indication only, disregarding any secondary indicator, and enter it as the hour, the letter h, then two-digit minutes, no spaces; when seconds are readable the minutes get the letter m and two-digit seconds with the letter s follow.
8h54
